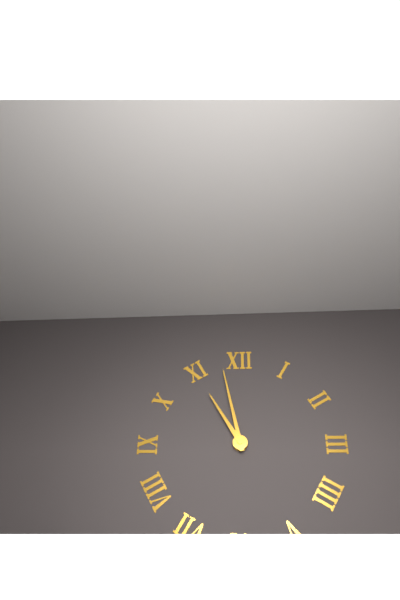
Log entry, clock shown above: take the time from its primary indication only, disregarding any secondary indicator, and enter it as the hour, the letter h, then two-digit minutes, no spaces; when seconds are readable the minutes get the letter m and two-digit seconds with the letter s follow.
10h58
